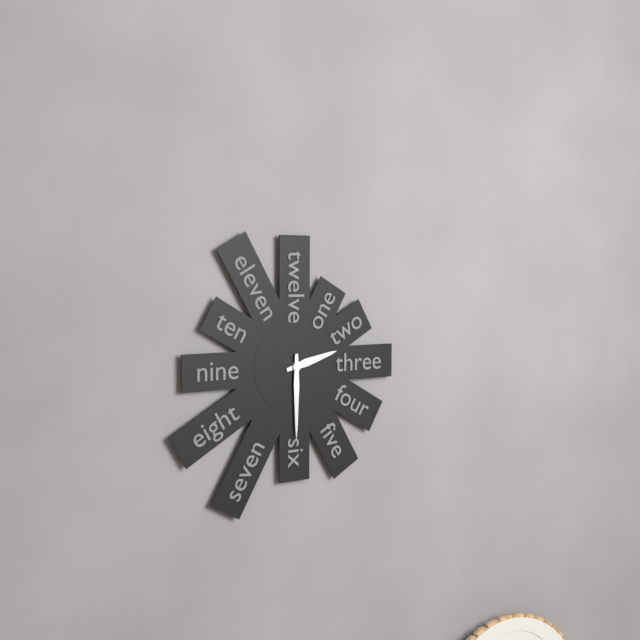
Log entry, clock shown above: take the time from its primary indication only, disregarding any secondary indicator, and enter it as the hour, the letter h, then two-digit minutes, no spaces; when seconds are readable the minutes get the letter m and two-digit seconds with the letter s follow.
2h30
